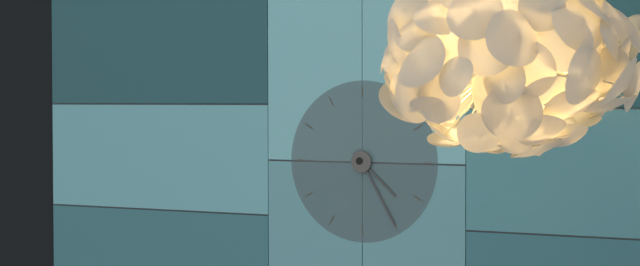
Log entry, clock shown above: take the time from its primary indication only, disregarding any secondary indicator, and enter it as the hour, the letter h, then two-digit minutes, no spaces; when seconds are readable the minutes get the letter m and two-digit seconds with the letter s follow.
4h25
